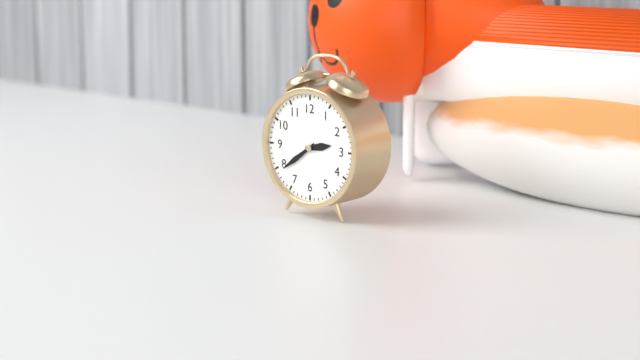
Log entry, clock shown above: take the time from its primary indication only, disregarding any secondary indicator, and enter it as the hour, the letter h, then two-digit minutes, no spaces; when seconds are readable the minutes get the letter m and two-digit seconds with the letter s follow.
2h39
